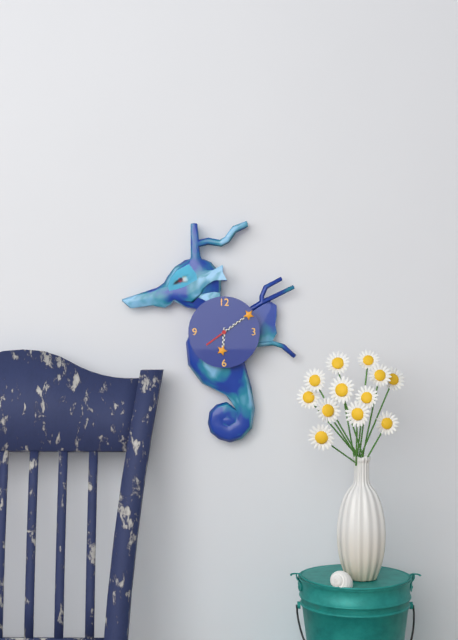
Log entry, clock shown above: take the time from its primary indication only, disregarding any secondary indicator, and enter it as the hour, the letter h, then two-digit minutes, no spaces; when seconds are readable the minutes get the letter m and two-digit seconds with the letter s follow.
6h09
